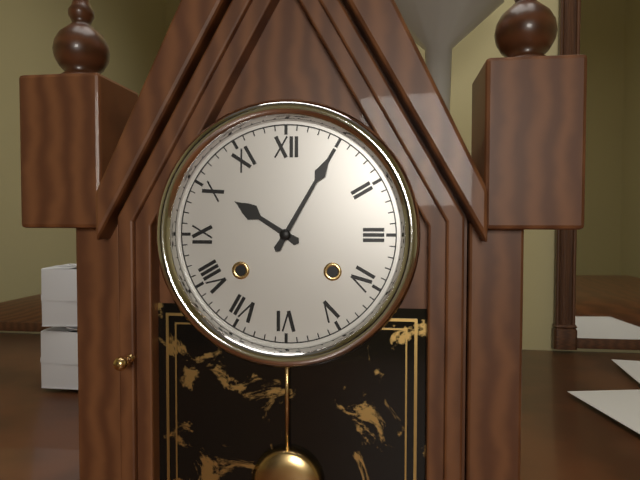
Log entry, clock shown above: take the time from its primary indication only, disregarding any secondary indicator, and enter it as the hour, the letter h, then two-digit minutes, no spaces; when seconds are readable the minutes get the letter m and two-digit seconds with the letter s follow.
10h05
